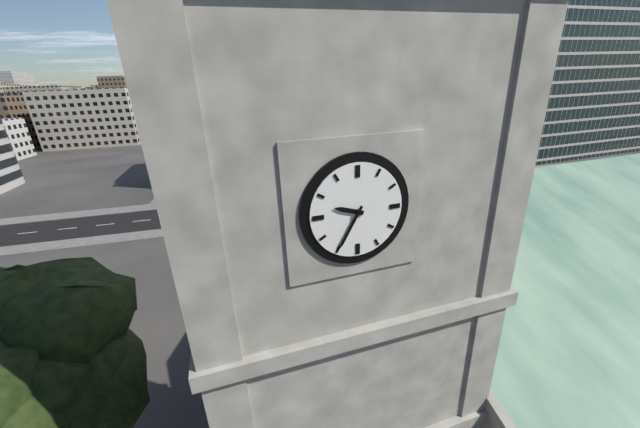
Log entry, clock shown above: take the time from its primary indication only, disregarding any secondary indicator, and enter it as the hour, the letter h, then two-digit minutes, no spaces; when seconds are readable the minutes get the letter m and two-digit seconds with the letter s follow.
9h35
